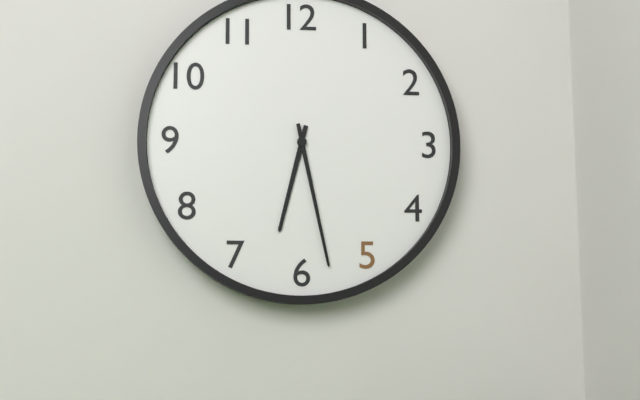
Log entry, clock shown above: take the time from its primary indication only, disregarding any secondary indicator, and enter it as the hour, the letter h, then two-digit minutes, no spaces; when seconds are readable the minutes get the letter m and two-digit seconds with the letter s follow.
6h28
